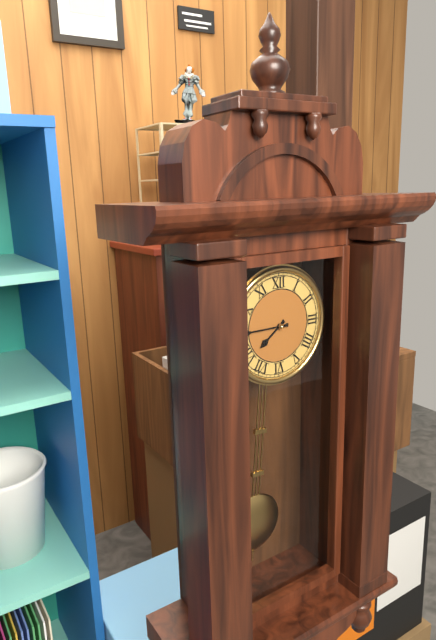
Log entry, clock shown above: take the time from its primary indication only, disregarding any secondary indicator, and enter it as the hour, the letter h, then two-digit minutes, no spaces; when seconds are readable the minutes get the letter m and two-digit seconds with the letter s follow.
7h45
